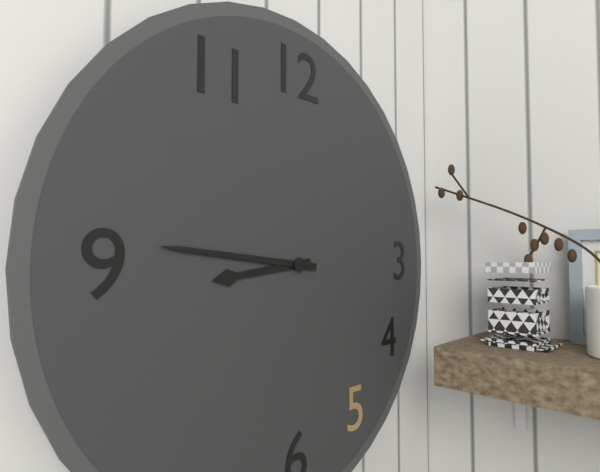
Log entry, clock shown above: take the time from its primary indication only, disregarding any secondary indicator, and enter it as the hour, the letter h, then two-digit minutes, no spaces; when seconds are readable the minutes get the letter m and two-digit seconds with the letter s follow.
8h46
